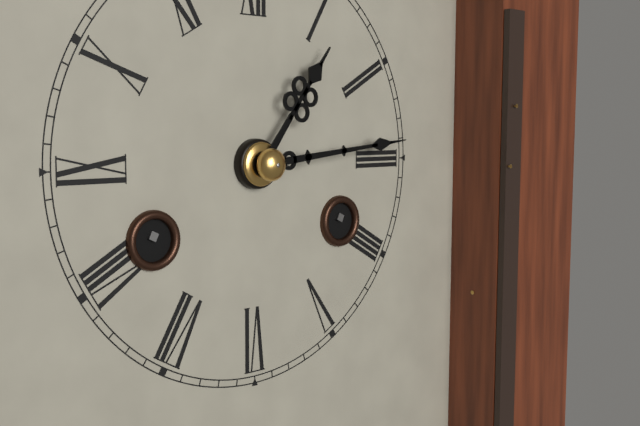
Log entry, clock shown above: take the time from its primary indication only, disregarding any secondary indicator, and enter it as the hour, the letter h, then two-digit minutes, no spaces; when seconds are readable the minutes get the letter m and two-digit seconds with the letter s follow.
1h14
